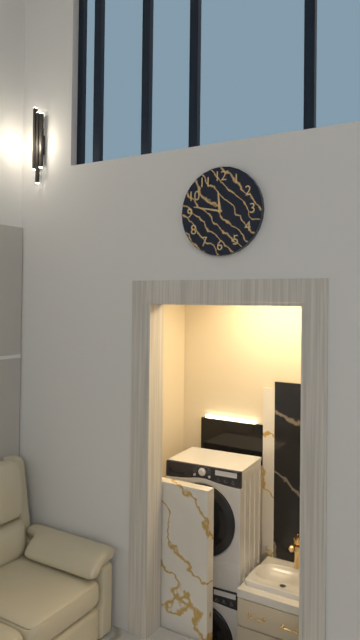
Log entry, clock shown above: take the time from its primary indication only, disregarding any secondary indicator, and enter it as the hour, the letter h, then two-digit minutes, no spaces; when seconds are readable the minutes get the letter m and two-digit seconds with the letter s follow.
11h47
